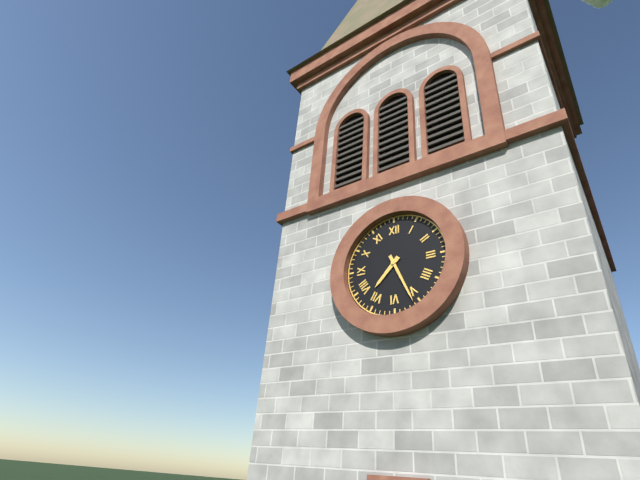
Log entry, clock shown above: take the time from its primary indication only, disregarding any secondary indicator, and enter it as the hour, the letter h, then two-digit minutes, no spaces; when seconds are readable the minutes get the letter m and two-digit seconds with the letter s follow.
7h26
